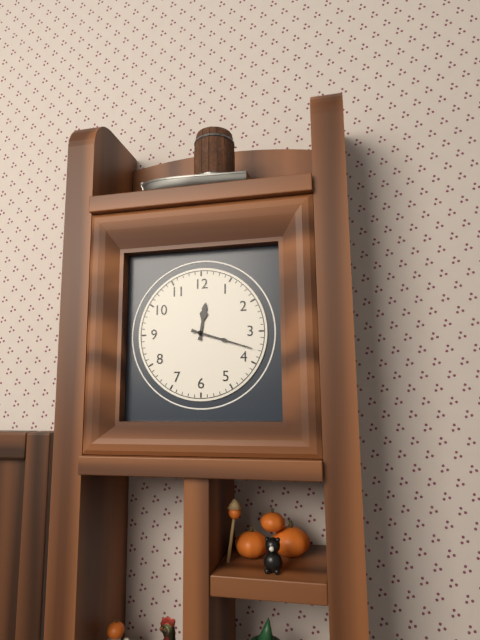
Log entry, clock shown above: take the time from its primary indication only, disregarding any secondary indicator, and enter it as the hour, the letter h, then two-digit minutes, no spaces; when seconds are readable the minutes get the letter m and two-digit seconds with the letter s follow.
12h18
